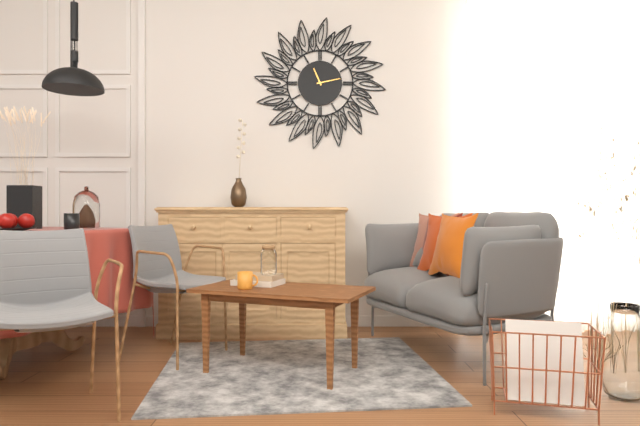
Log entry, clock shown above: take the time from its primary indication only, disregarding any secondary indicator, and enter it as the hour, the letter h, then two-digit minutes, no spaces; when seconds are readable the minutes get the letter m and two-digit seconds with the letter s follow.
11h13
